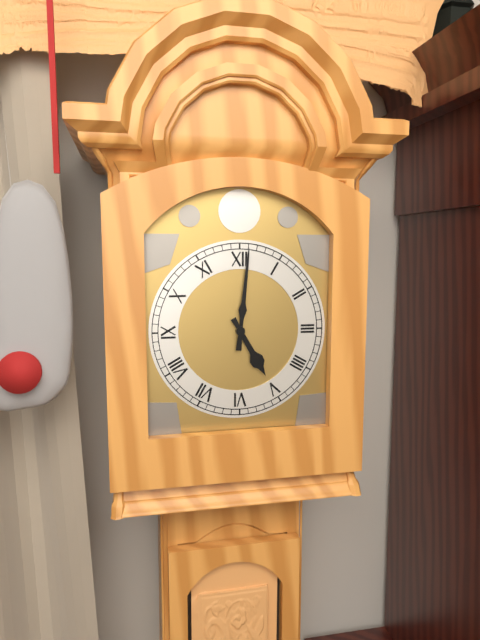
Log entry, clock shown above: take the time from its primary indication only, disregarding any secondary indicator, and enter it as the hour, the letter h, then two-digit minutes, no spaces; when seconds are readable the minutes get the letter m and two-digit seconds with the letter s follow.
5h01
